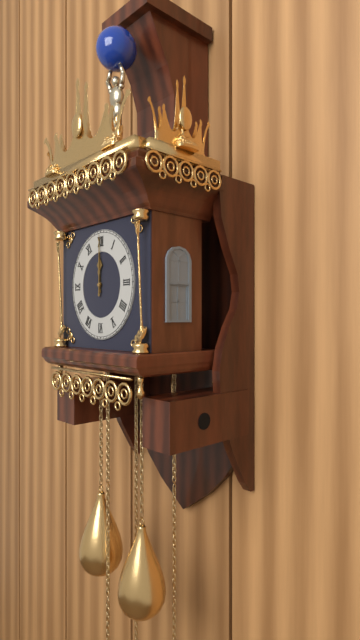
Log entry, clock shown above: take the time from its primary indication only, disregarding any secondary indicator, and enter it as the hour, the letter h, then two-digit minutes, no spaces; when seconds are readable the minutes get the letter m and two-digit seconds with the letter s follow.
12h00
